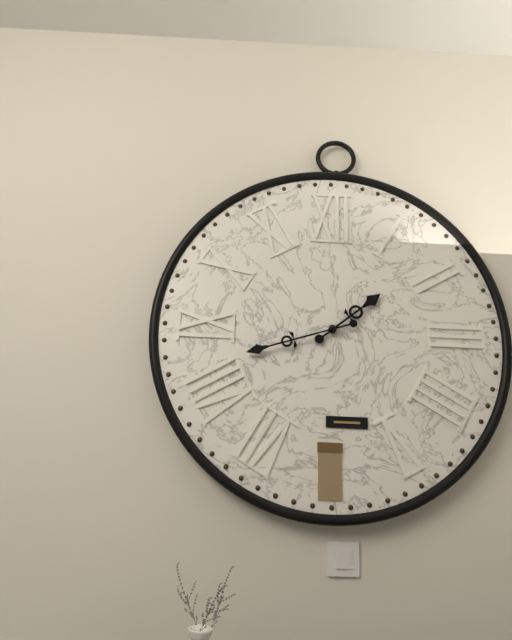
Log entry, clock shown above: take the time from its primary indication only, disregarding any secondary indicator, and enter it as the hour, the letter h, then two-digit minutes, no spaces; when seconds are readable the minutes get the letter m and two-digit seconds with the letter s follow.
1h42
